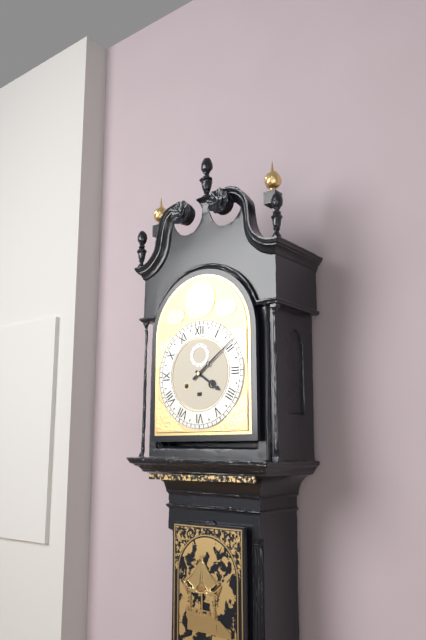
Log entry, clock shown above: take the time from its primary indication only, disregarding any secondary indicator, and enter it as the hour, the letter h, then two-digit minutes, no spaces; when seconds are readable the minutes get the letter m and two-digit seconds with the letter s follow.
4h09
